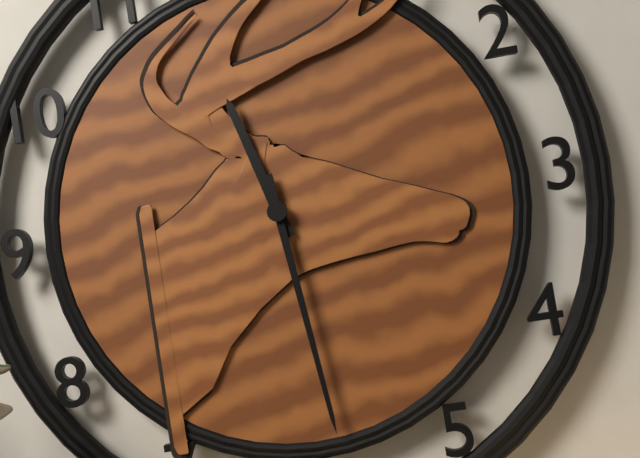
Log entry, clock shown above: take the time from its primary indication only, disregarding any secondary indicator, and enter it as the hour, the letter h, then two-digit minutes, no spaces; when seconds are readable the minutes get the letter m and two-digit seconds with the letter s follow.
11h29
